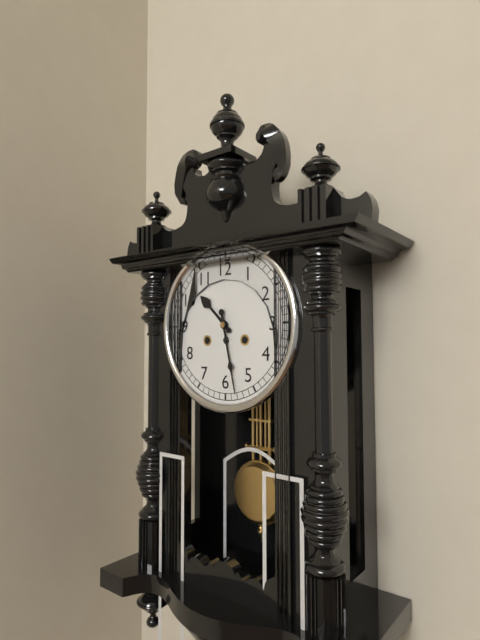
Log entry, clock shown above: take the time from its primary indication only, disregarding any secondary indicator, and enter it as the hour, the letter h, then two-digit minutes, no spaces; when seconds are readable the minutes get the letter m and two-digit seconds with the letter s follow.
10h28
